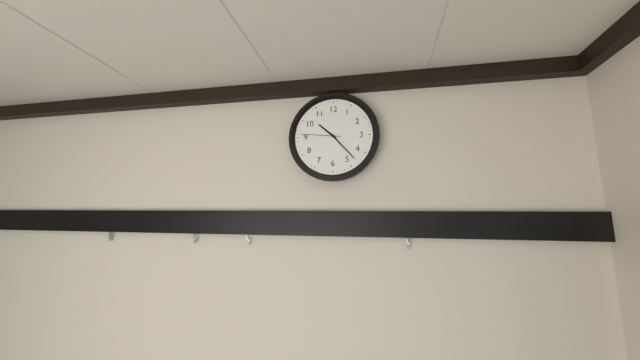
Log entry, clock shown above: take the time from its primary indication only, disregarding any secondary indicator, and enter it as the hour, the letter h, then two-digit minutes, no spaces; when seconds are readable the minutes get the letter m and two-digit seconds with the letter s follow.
10h23
